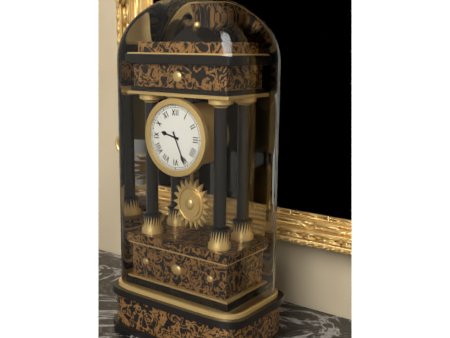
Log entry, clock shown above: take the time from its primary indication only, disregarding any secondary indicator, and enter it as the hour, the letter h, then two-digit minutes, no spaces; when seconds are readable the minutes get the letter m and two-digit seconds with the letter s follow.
9h26
